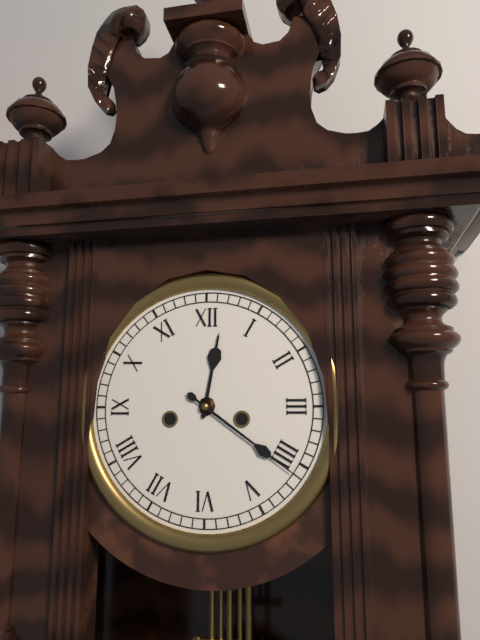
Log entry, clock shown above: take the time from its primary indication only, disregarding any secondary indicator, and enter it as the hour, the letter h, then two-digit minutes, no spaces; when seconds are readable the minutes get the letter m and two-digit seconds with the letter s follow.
12h21
